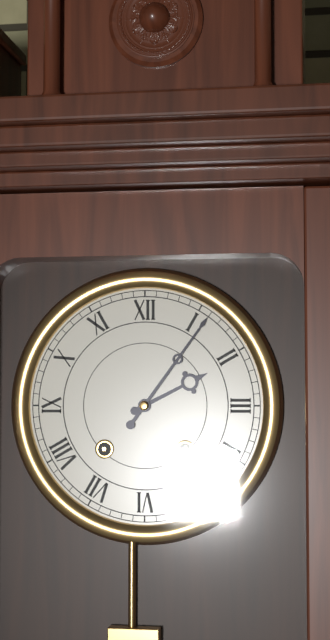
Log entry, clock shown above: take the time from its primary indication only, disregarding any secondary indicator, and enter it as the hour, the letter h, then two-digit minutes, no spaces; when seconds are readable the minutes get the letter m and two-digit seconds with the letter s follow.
2h06
